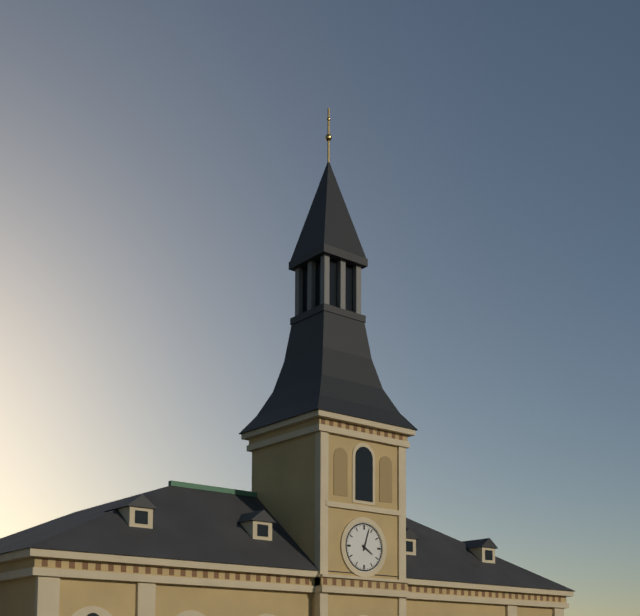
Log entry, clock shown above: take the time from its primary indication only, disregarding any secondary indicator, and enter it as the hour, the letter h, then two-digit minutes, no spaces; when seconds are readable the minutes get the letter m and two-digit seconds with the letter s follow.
4h03
